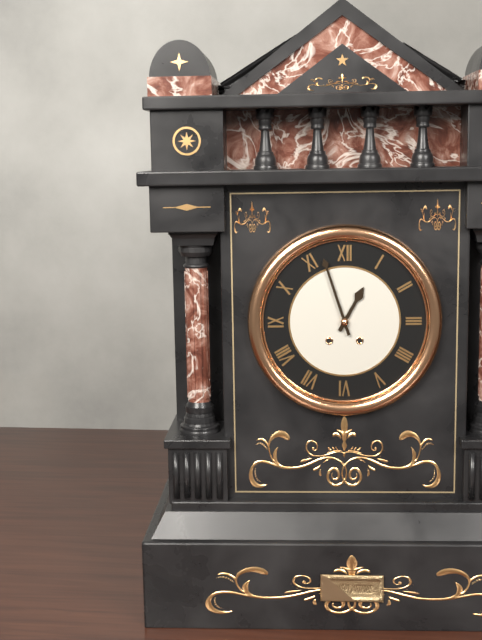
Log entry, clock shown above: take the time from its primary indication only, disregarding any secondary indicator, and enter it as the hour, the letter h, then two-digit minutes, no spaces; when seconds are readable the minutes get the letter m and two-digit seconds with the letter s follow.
12h57
